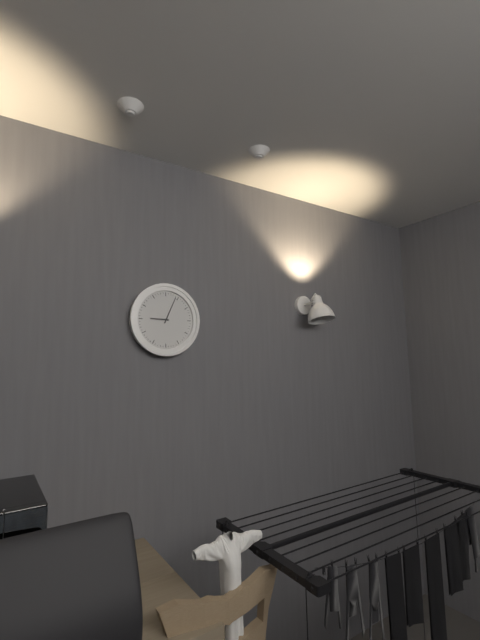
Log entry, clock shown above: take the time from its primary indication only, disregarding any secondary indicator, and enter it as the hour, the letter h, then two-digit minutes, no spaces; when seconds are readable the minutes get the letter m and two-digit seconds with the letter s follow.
9h04
